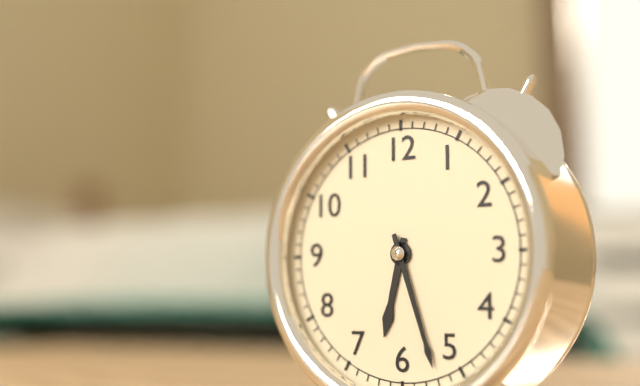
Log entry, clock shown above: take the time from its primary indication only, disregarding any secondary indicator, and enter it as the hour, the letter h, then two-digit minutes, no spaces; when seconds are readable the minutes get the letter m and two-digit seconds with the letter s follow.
6h27
